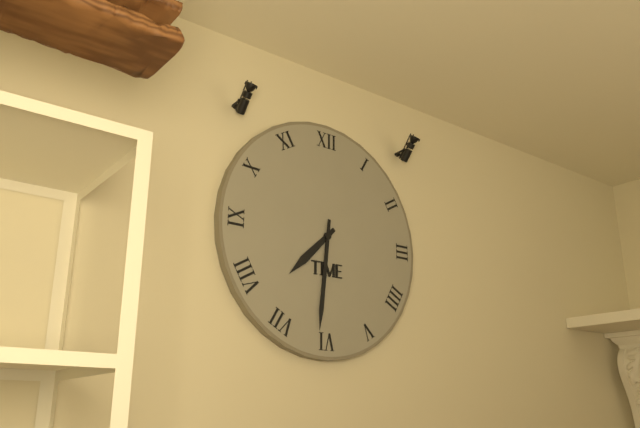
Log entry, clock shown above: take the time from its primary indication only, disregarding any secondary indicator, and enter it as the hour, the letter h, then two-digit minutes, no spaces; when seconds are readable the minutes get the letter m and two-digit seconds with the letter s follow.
7h31
